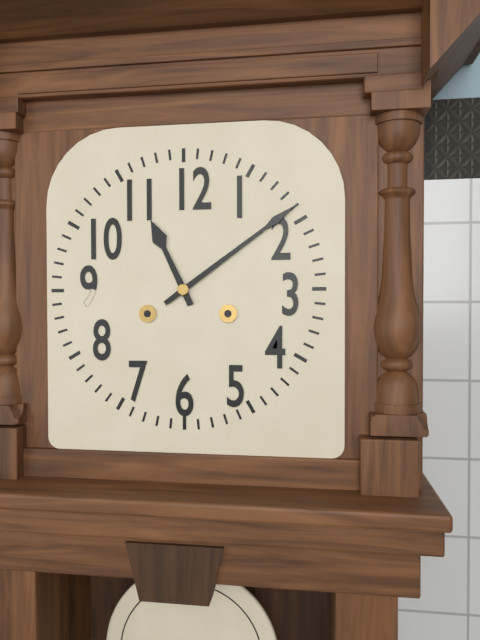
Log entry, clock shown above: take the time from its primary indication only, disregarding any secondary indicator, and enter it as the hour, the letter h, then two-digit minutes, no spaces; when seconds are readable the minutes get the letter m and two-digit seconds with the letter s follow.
11h09
